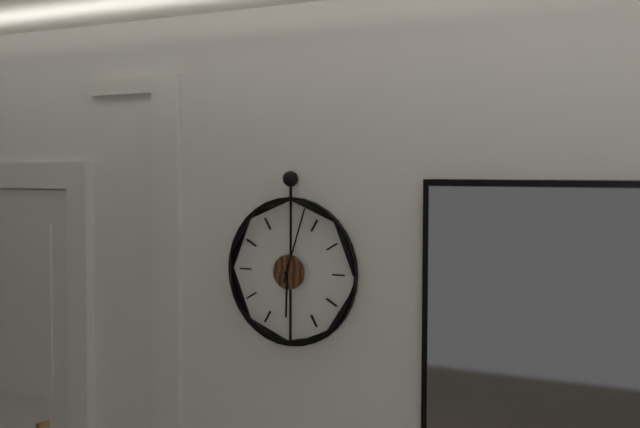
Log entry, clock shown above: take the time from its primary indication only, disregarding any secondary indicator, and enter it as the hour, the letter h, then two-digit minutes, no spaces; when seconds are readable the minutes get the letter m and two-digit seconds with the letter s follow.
6h03
